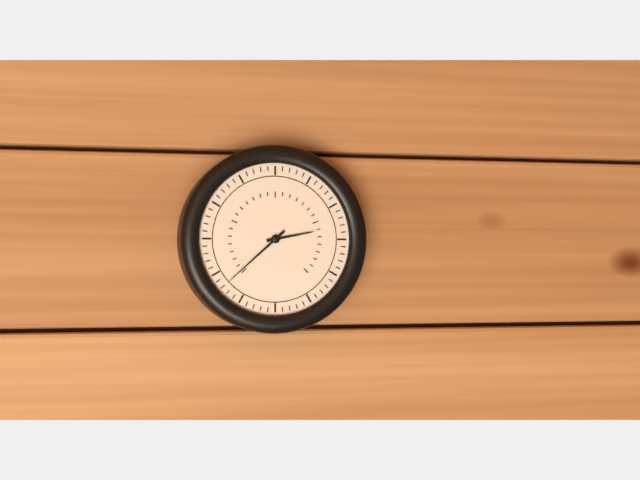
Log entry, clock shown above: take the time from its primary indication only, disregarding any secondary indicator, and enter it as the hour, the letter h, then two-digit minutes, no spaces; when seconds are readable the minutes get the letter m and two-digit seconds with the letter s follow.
2h38
